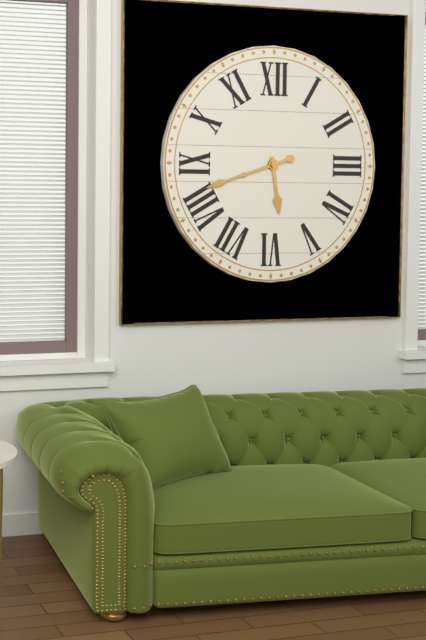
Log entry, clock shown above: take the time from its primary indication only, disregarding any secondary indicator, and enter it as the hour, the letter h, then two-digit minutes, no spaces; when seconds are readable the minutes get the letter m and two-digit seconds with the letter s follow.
5h42
